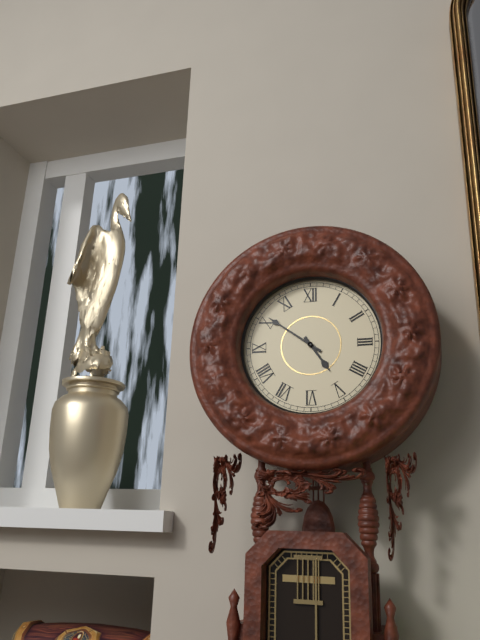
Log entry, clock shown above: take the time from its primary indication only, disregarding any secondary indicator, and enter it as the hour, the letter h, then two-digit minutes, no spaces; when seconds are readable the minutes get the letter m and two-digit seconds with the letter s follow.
4h51
